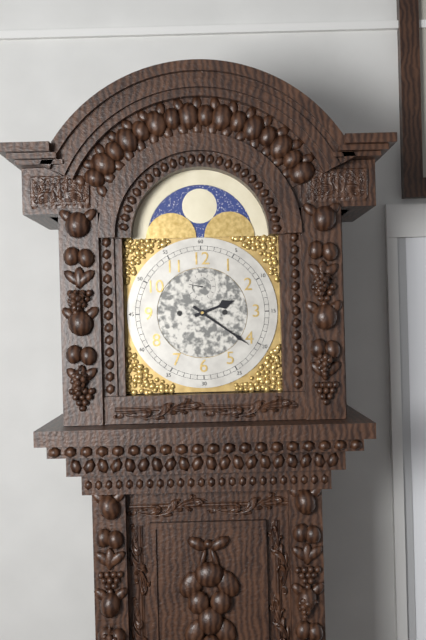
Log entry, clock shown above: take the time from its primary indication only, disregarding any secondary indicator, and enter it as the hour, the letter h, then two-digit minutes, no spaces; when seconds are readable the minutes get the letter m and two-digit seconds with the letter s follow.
2h21
